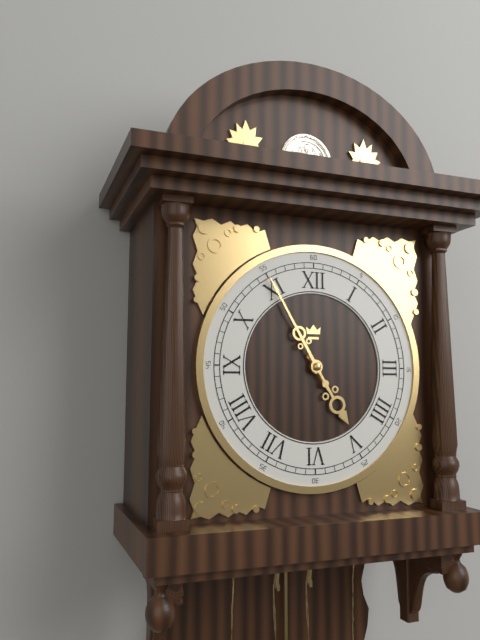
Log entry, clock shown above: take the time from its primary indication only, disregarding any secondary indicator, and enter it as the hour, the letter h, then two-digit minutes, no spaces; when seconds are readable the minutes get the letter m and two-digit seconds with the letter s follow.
4h55
